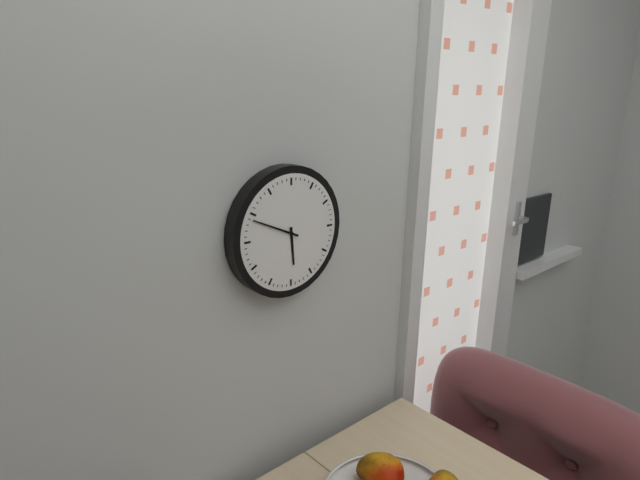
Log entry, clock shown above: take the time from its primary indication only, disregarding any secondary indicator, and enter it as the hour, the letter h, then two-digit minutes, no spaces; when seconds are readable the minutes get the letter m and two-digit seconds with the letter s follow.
5h49
